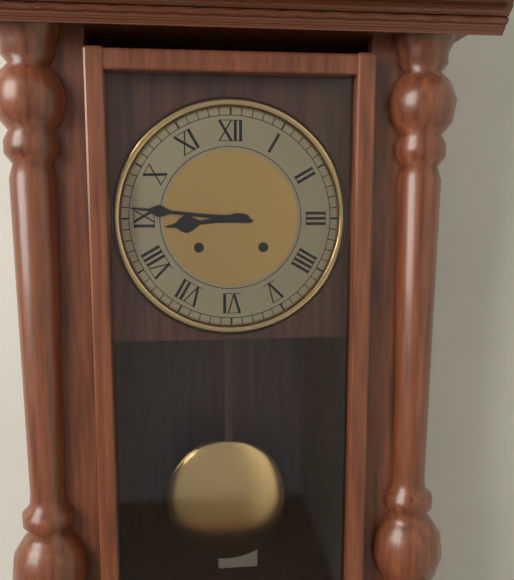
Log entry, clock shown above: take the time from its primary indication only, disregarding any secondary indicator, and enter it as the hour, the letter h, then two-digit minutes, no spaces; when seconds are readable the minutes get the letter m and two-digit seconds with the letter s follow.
8h46
